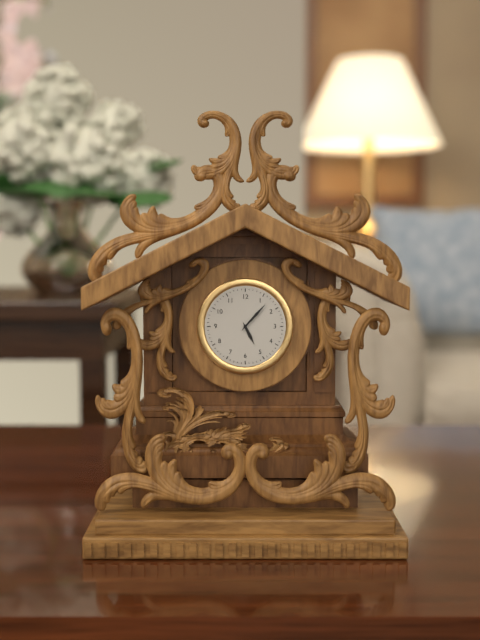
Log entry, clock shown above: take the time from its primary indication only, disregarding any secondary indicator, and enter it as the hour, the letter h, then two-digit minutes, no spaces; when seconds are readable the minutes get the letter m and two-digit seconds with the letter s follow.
5h07
